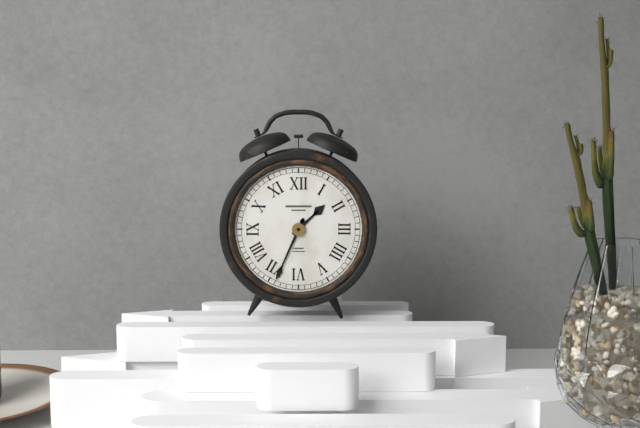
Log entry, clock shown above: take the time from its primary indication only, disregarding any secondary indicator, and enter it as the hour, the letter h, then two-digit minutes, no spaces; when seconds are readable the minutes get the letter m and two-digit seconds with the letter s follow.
1h34
